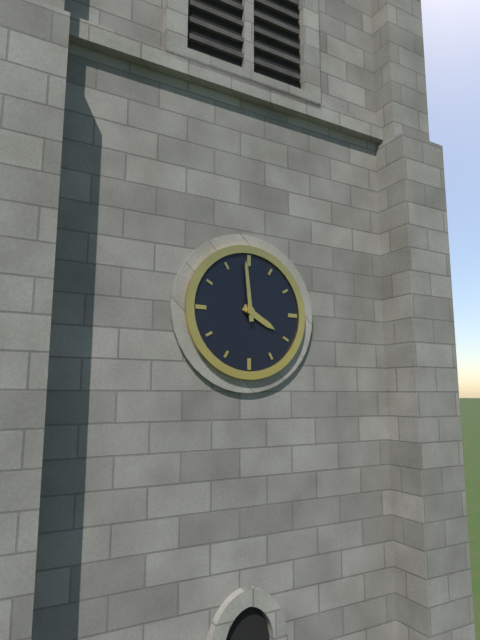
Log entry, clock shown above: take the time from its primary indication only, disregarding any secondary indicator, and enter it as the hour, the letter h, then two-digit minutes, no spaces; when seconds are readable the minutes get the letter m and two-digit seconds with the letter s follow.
3h59
